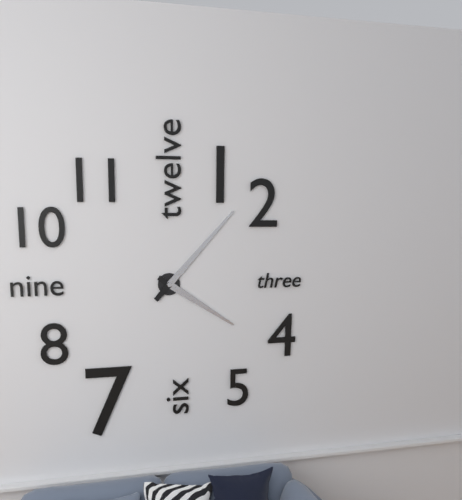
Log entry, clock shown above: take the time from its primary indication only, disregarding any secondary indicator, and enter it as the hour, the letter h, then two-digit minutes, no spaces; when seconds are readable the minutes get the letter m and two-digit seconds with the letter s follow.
4h07
